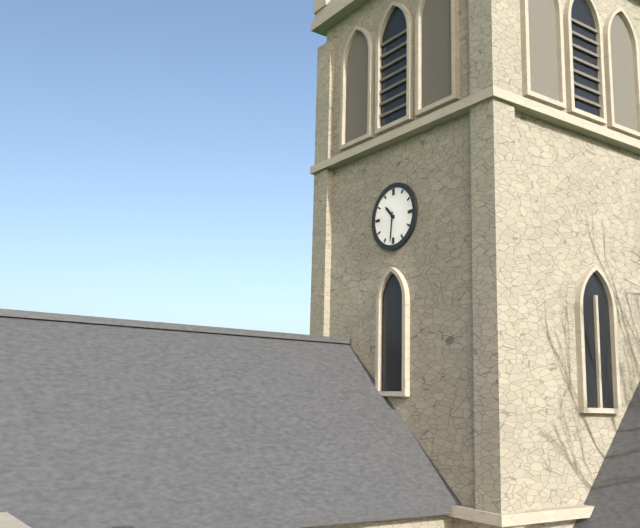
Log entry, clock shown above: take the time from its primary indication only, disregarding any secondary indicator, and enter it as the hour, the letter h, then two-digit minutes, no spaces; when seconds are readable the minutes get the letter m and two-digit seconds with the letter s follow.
10h31
